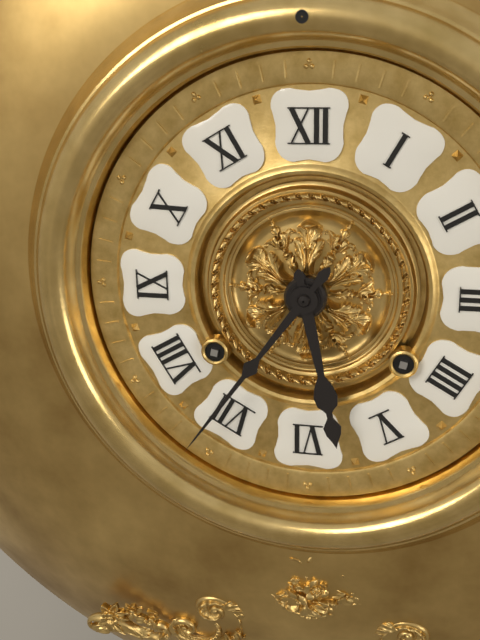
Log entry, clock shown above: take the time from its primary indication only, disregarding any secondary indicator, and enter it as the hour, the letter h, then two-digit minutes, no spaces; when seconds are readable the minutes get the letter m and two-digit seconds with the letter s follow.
5h36
